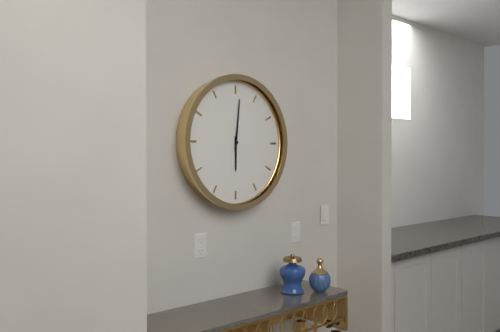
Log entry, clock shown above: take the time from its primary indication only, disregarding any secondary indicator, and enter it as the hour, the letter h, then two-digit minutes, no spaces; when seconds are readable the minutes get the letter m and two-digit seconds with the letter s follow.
6h01
